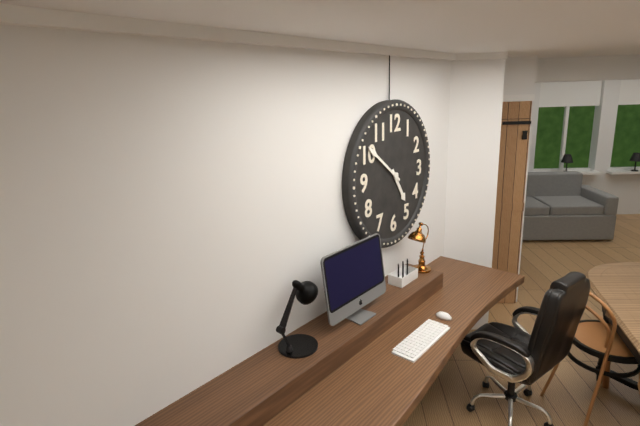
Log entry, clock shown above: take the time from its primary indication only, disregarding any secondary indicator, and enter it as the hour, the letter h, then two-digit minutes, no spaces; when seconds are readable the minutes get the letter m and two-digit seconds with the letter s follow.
4h51
